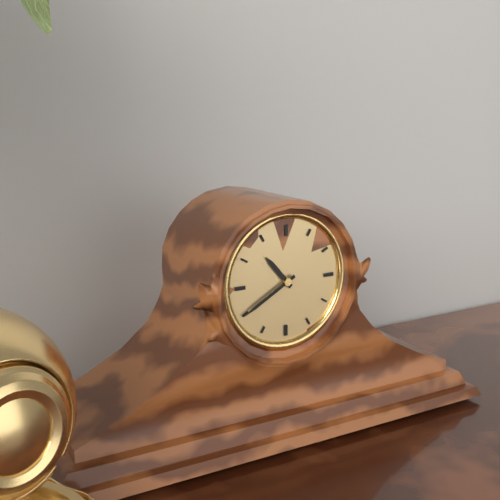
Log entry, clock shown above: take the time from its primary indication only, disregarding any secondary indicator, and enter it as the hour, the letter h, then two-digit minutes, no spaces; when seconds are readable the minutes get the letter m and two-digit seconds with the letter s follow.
10h40
